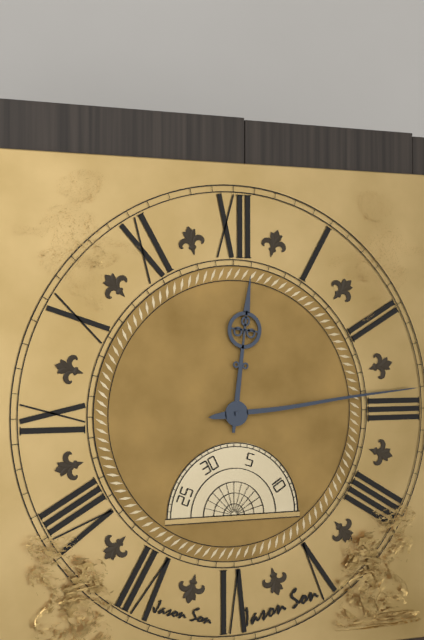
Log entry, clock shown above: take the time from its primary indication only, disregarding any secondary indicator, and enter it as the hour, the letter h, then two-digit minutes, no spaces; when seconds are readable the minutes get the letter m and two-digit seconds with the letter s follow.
12h14
